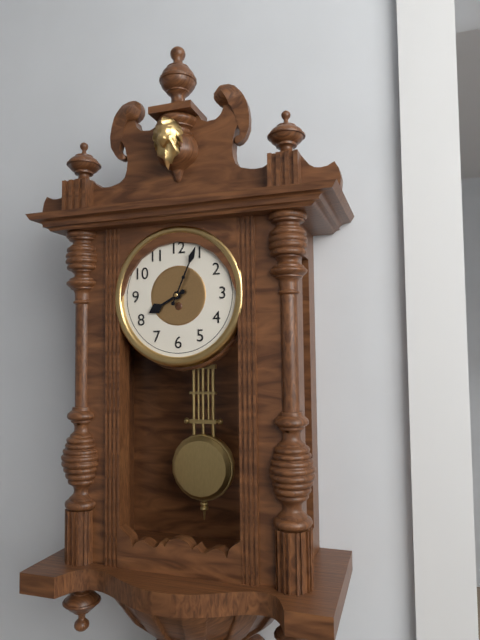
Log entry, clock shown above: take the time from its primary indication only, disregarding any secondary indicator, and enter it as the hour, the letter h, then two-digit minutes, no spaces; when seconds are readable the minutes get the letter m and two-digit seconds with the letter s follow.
8h04
